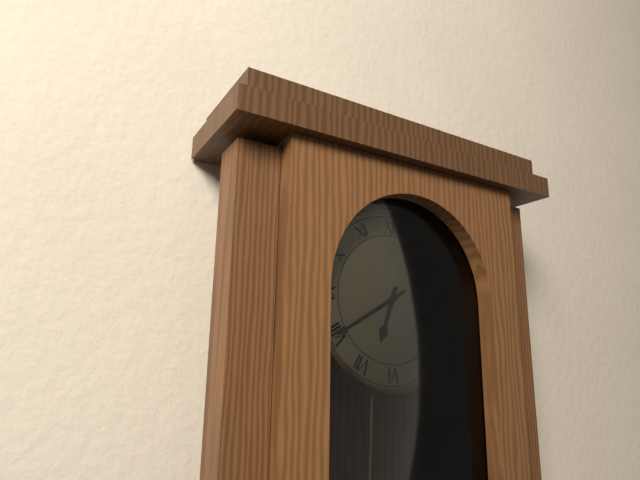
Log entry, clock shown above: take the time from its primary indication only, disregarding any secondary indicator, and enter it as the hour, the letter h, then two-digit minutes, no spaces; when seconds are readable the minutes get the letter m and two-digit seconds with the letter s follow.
6h40
